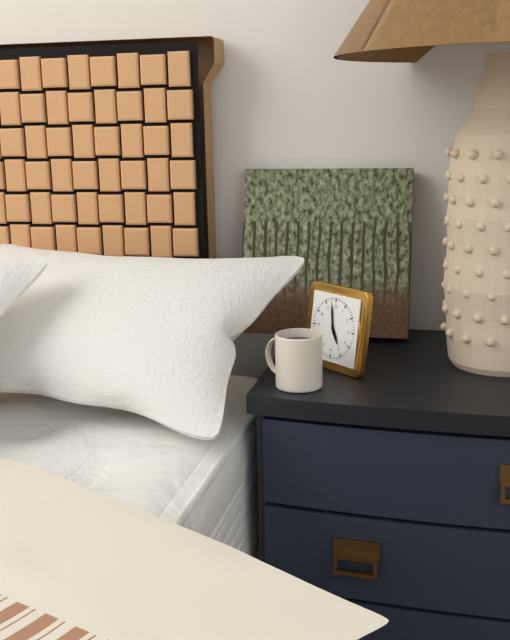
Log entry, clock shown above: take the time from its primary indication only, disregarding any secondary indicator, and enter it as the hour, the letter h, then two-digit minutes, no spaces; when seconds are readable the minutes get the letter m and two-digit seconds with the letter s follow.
4h58
